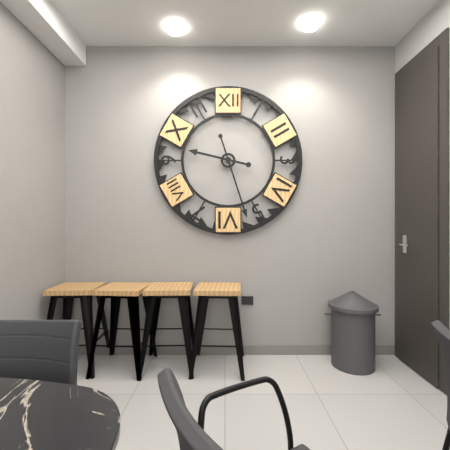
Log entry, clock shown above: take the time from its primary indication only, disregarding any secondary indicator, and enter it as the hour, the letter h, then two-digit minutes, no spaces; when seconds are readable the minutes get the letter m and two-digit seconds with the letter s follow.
9h27
